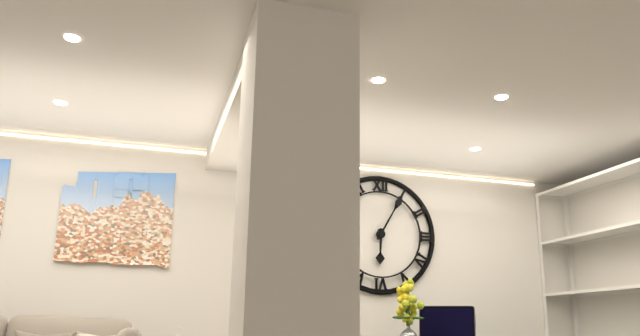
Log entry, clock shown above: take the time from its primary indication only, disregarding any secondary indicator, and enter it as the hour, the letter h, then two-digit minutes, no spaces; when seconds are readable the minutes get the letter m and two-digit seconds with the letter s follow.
6h05
